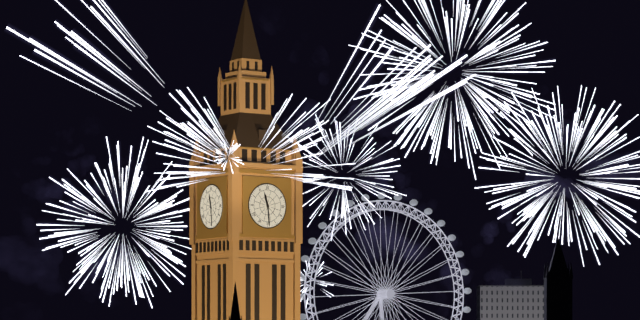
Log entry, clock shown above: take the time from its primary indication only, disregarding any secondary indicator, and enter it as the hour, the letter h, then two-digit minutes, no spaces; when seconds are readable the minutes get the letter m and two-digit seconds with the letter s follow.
11h29
